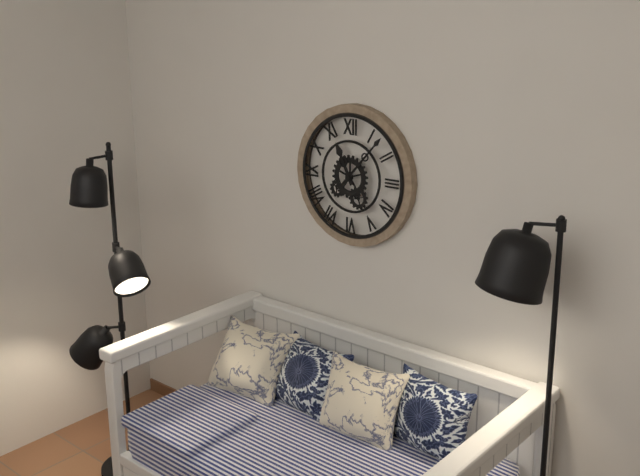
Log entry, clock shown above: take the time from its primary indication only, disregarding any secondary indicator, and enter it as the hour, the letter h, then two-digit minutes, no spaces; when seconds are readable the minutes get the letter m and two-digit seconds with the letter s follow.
11h07
